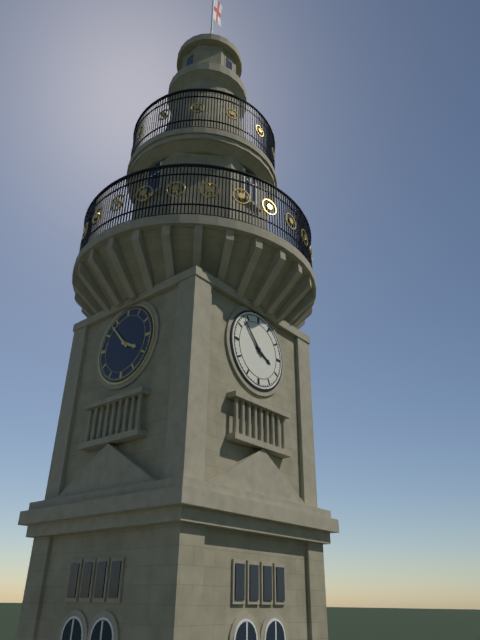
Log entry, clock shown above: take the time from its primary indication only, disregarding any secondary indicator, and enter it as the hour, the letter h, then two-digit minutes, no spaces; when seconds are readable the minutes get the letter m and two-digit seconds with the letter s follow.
3h53
